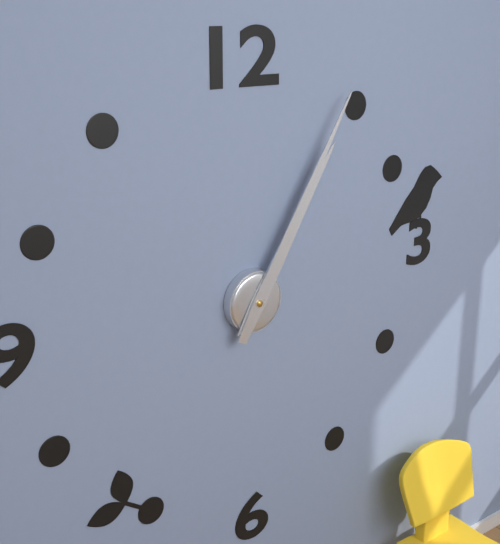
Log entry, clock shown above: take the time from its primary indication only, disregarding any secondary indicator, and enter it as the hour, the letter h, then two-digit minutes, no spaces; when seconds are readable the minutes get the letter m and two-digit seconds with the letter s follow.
1h05
